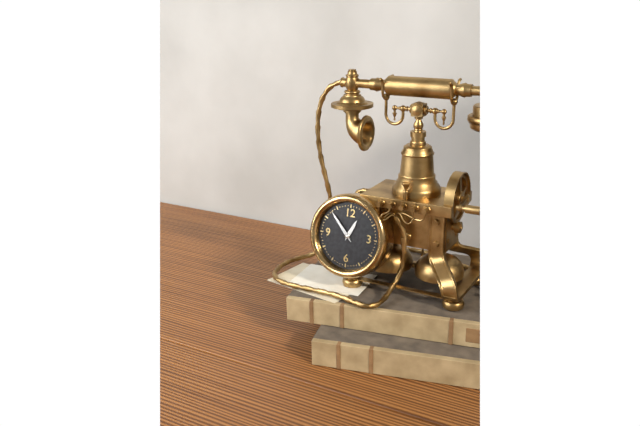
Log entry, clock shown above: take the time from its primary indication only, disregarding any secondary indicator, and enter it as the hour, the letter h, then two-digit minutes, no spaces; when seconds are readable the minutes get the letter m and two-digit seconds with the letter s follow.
12h53
